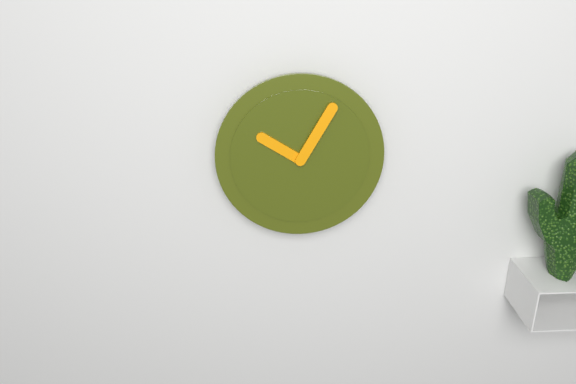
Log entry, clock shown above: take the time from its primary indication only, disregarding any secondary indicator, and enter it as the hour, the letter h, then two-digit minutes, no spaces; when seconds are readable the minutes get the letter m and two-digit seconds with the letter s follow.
10h05
